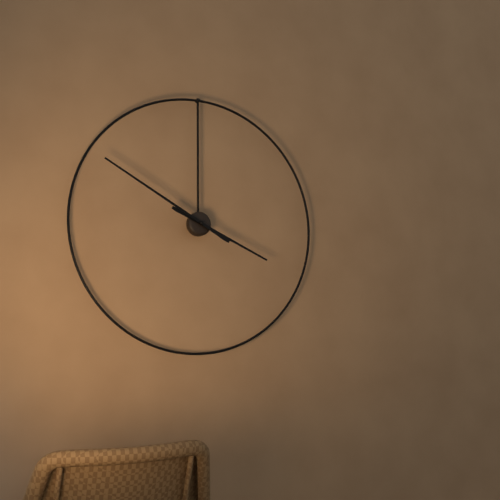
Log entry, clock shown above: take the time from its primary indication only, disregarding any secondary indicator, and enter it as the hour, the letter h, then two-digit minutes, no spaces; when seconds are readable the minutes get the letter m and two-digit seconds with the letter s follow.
3h50
